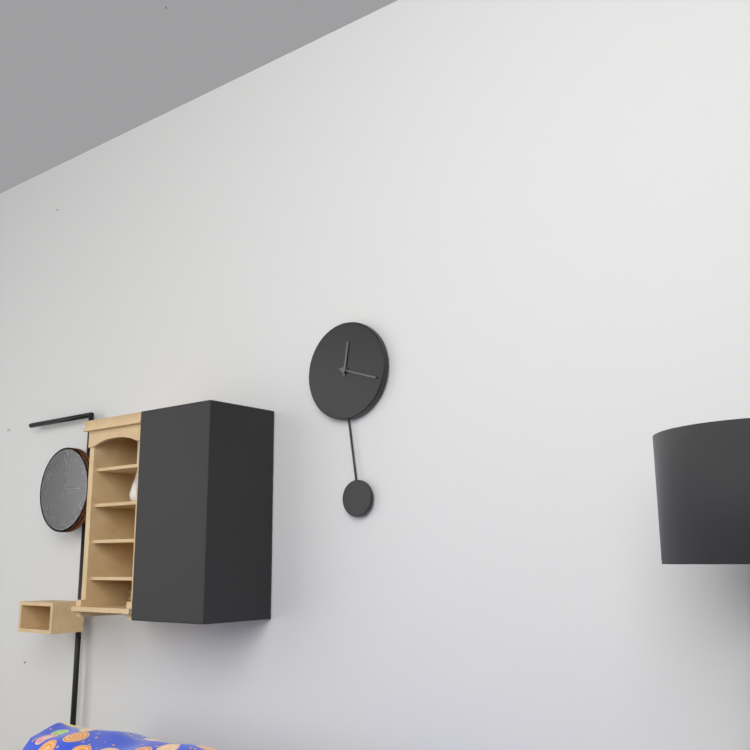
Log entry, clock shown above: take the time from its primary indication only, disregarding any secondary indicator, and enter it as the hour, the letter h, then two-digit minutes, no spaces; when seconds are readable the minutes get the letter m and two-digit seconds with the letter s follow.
12h18
